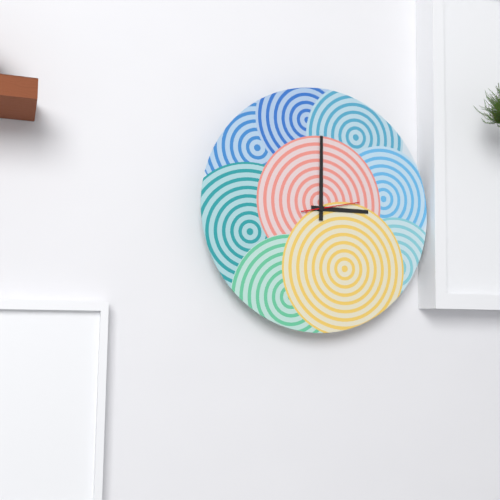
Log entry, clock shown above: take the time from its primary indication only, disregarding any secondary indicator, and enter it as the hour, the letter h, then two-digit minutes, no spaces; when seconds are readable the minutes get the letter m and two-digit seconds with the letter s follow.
3h00
